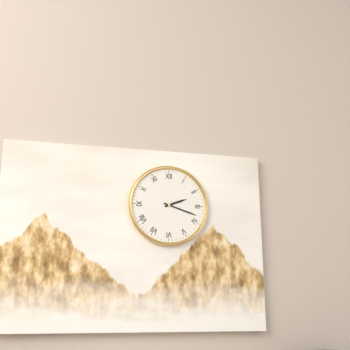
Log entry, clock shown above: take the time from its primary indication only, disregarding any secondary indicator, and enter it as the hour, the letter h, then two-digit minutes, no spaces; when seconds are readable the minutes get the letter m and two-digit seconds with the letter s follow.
2h18
